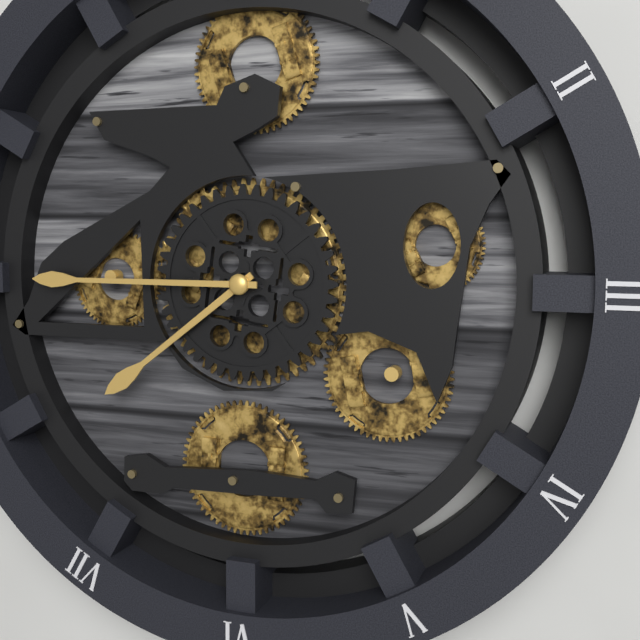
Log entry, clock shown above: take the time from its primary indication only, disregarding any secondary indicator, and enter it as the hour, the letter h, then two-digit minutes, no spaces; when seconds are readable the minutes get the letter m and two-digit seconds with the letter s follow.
7h45
